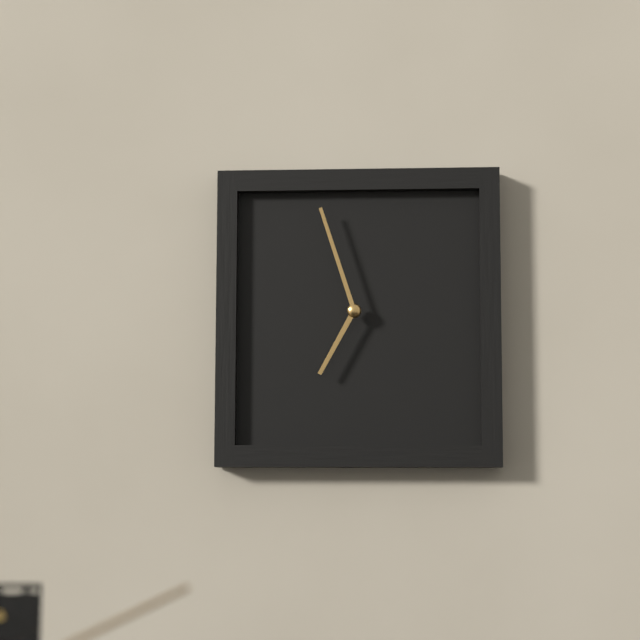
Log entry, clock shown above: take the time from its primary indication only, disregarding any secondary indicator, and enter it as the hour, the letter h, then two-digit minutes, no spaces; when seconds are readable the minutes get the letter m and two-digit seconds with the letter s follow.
6h57
